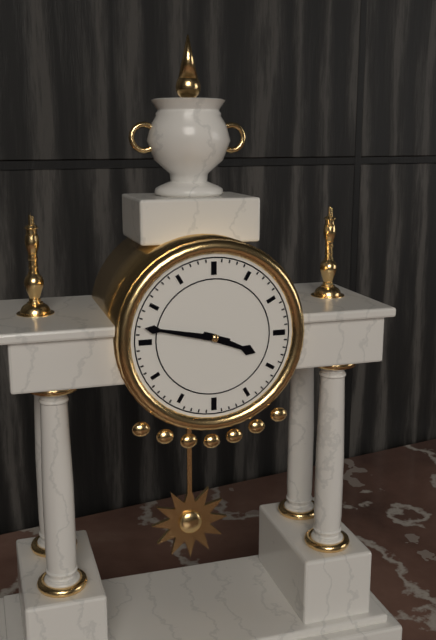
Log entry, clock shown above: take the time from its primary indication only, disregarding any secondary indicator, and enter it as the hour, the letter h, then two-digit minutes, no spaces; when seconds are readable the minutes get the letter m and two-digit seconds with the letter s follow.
3h47
